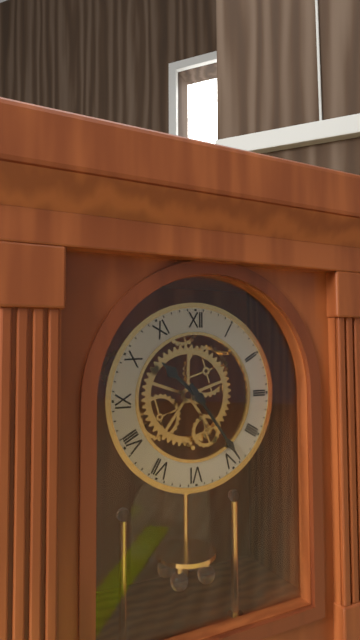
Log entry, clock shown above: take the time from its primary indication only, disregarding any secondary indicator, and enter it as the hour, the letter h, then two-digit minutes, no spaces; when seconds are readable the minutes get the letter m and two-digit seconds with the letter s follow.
10h24
